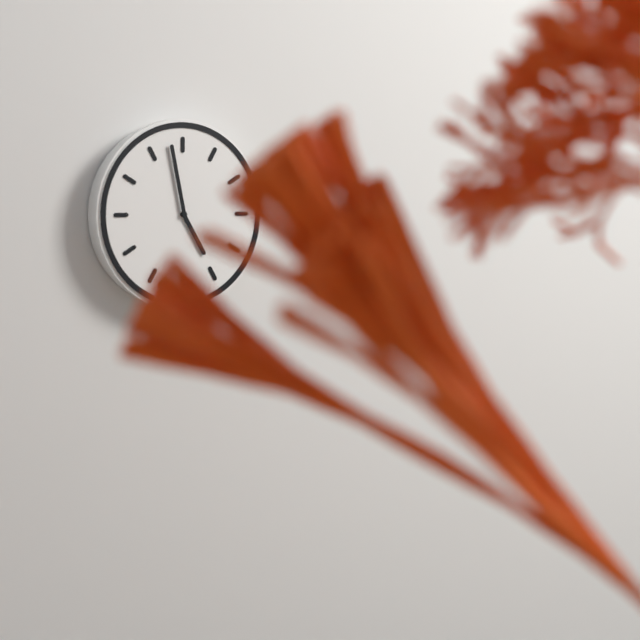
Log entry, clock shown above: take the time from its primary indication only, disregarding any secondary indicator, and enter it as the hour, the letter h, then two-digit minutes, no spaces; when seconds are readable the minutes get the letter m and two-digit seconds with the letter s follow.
4h58
